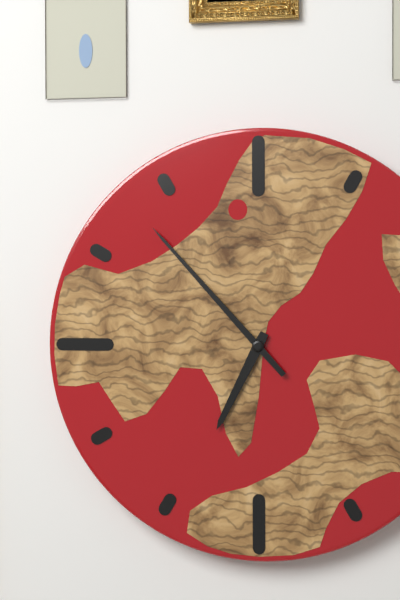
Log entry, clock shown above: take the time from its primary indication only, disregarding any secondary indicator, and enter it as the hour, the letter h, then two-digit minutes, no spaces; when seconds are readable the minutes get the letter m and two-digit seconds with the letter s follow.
6h53
